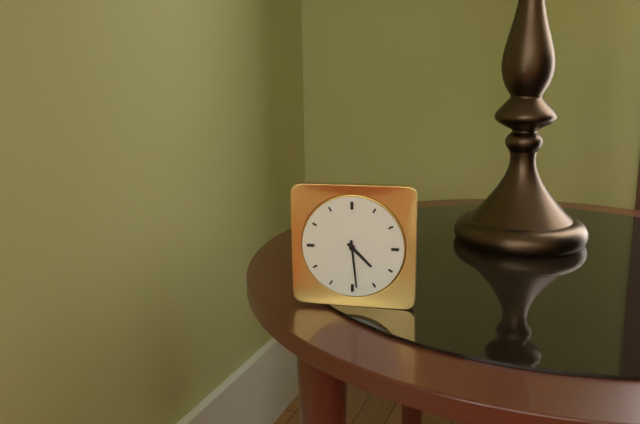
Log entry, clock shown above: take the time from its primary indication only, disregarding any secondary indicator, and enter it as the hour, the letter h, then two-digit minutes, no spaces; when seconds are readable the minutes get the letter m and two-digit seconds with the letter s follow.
4h29
